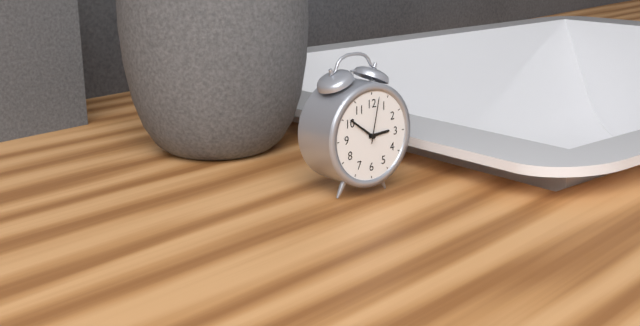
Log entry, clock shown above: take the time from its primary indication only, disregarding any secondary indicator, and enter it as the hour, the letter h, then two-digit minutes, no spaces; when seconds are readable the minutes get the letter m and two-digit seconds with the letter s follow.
2h51
